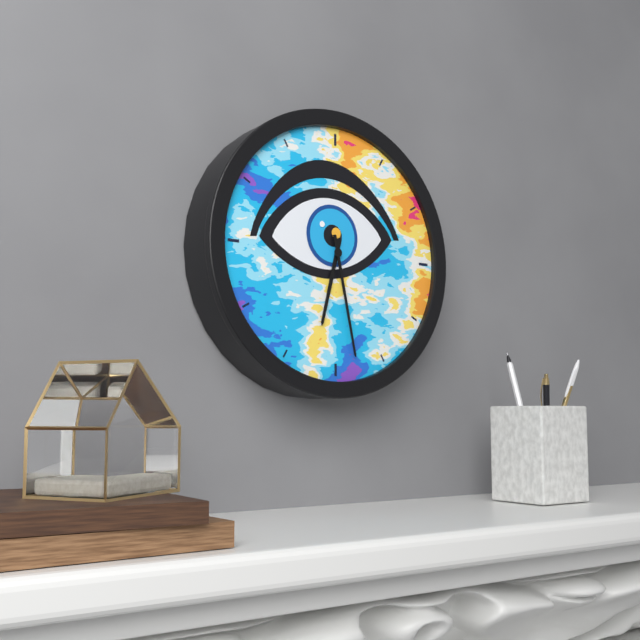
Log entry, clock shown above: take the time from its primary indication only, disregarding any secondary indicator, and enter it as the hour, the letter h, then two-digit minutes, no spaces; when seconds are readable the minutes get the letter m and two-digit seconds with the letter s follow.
6h28
